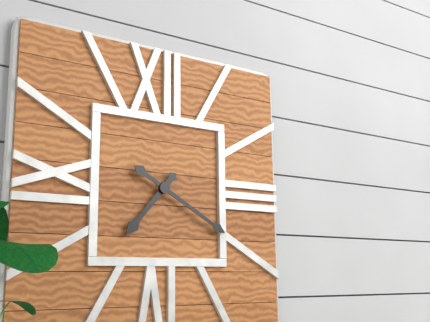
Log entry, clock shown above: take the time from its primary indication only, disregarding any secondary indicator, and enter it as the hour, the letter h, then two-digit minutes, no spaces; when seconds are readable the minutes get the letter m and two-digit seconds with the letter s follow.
7h20
